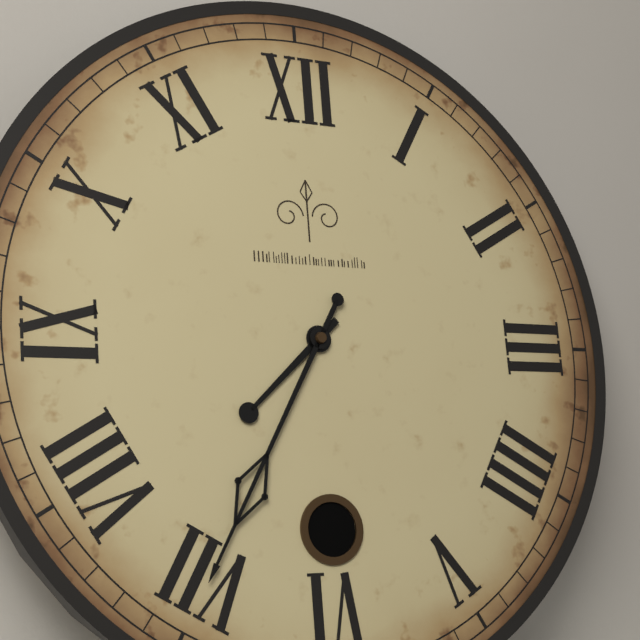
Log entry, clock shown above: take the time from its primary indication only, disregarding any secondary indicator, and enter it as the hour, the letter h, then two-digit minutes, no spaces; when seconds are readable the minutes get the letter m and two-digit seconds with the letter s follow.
7h35
